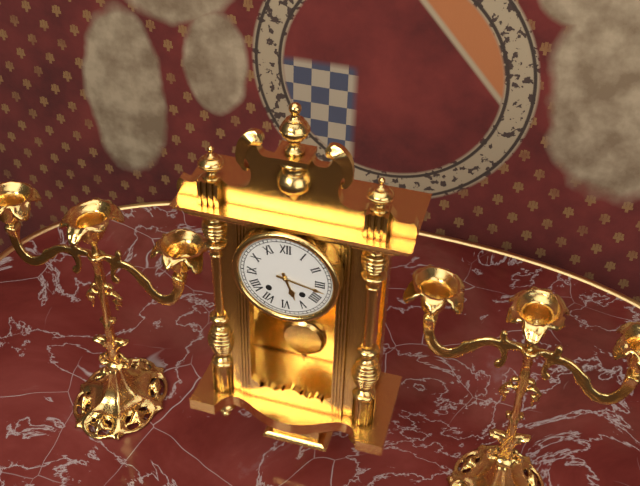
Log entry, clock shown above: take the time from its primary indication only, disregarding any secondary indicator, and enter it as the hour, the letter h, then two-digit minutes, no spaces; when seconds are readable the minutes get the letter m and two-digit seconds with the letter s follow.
5h17
